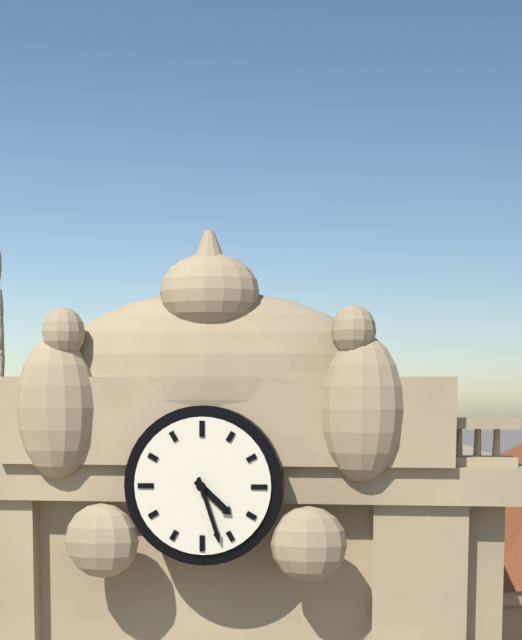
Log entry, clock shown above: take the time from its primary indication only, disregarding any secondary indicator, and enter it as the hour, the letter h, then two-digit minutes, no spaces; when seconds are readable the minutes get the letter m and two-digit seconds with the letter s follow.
4h27
